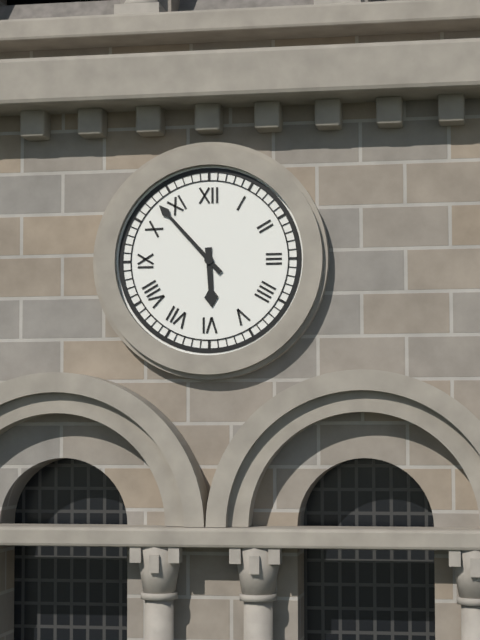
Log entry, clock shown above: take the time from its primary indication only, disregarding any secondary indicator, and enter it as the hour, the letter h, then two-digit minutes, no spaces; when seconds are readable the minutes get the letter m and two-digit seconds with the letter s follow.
5h53
